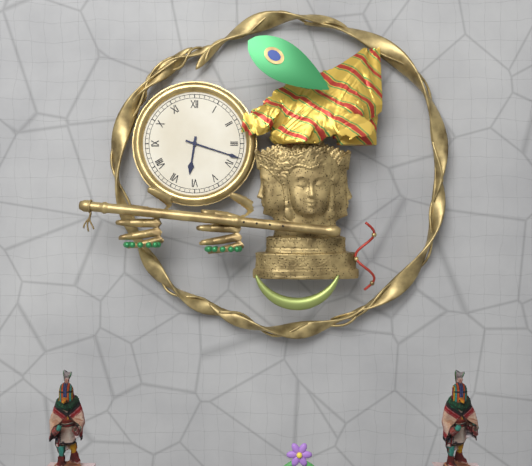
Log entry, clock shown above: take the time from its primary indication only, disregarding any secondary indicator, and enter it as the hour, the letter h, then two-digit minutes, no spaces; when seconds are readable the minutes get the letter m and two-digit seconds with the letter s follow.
6h18
